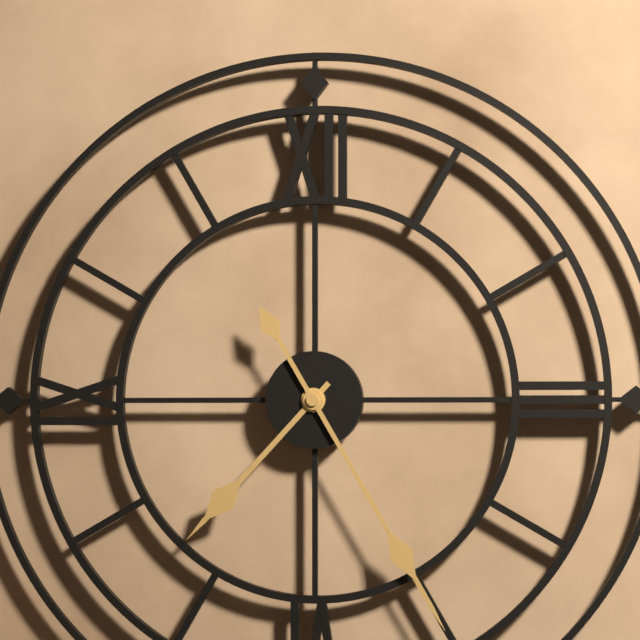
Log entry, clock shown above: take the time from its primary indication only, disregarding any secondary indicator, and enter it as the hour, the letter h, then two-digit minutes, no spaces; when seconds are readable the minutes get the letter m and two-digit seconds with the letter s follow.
7h25
